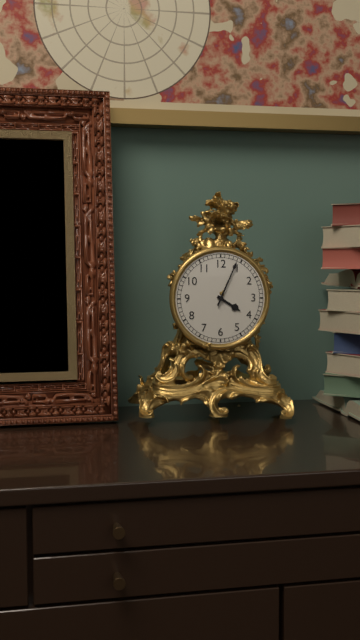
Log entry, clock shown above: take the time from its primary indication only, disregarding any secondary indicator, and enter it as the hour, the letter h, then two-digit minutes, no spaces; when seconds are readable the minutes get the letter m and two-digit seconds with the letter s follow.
4h04
